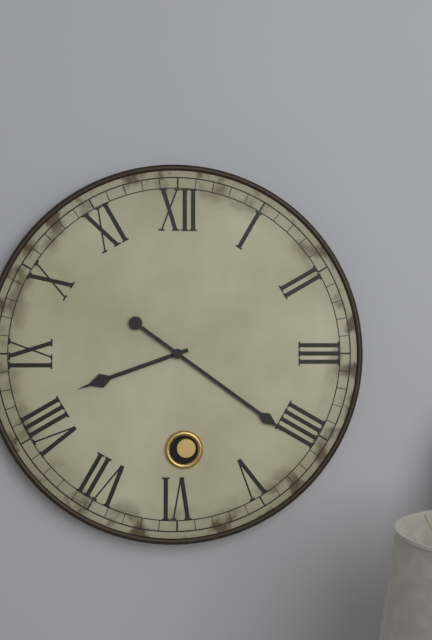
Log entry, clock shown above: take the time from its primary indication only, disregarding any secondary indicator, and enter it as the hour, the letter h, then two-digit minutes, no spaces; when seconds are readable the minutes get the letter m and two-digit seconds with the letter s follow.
8h21
